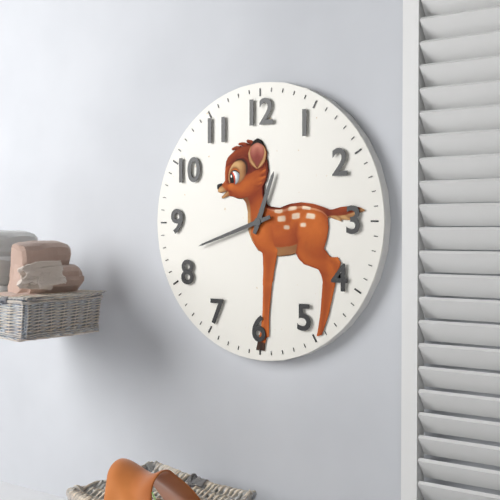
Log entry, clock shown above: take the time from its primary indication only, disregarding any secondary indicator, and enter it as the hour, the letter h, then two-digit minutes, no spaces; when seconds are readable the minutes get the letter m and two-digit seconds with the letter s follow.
12h42
